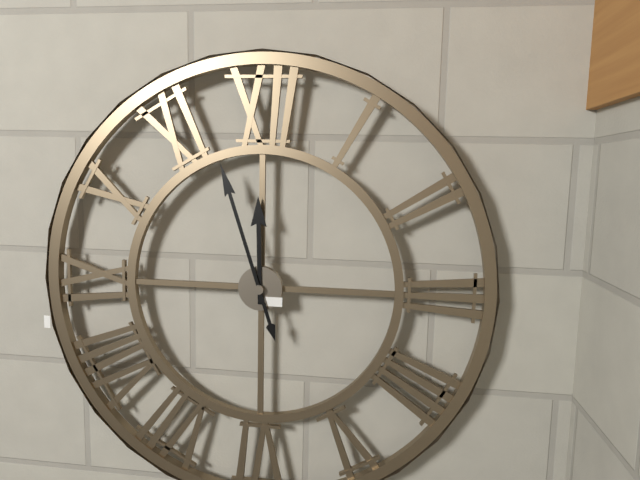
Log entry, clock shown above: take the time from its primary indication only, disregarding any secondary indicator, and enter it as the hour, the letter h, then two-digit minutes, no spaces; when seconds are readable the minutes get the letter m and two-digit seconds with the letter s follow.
11h57
